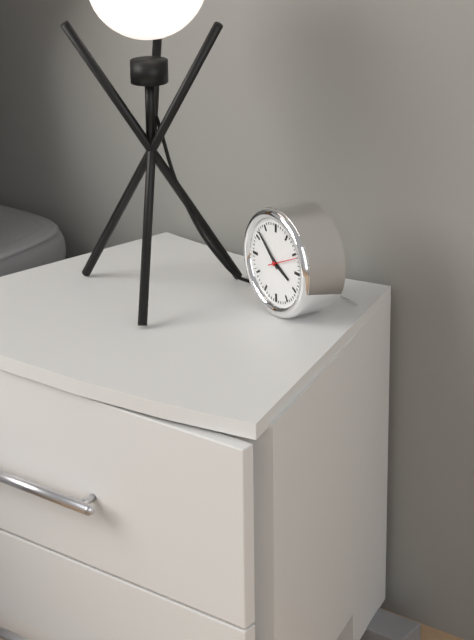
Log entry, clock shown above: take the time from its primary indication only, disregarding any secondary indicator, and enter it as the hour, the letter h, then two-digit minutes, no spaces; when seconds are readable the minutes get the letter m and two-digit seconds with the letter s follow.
3h52
